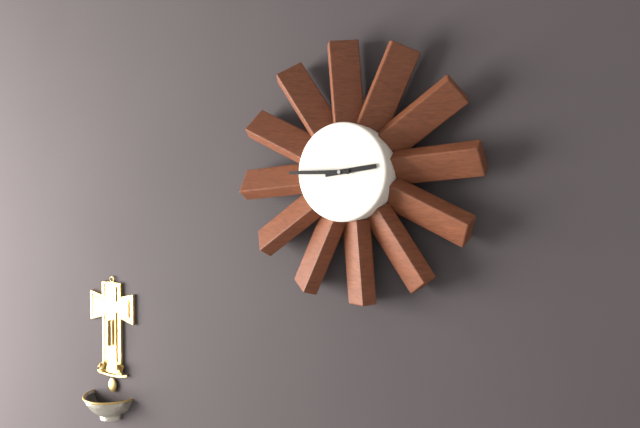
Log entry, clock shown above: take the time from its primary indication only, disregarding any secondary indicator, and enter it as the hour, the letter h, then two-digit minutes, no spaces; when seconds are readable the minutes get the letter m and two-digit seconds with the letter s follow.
2h45
